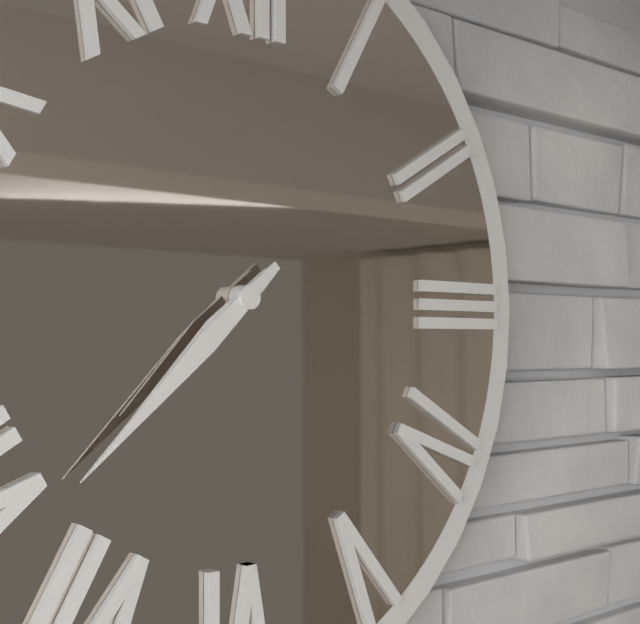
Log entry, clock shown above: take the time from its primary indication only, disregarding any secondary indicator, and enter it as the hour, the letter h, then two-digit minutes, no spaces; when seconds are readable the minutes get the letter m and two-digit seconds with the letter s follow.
7h38
